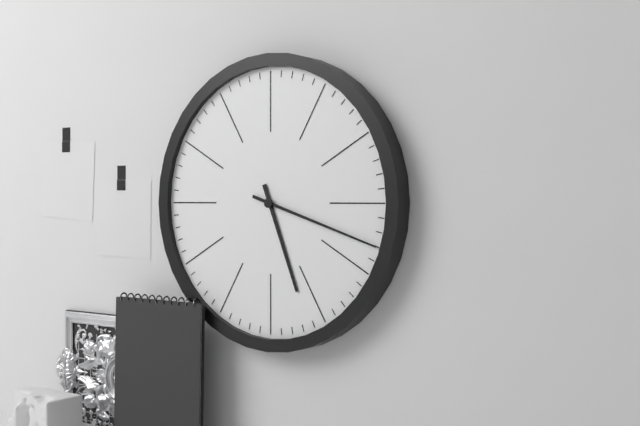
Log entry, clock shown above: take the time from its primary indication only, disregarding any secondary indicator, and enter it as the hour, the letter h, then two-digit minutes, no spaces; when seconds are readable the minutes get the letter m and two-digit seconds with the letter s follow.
5h18
